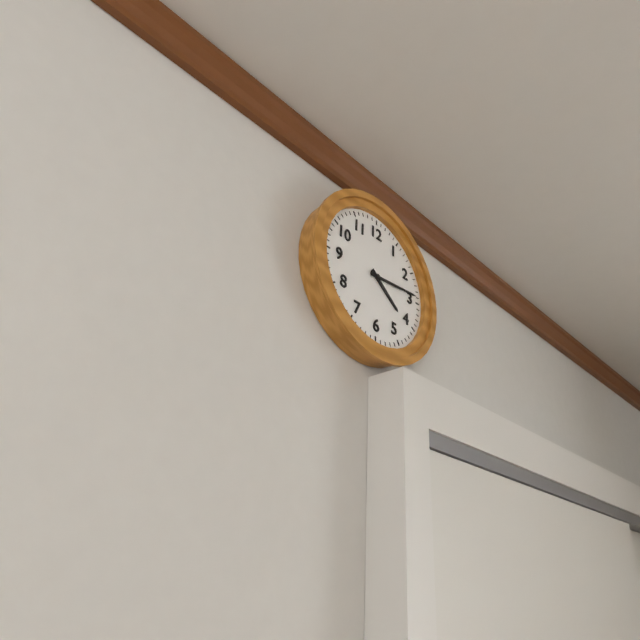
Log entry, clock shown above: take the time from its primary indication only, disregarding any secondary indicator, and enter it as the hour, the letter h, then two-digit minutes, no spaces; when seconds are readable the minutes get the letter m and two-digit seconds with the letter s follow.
4h14
